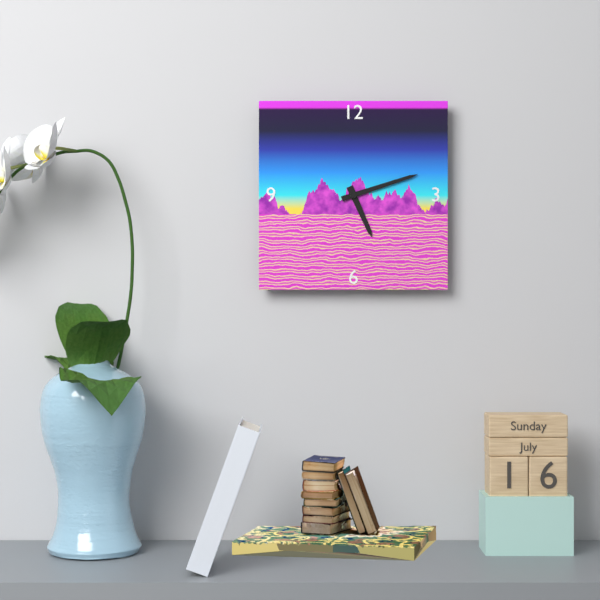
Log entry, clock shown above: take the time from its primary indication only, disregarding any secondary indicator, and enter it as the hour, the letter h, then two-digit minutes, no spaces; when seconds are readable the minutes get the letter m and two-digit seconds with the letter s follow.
5h12
